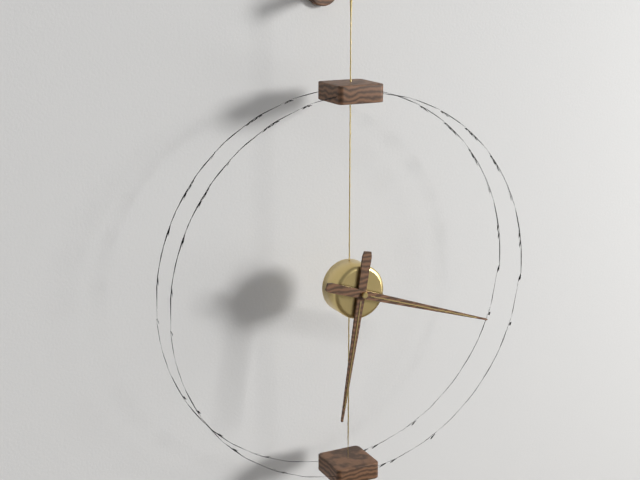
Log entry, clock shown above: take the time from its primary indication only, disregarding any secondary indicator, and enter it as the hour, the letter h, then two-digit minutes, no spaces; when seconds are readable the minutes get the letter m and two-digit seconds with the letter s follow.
6h18
